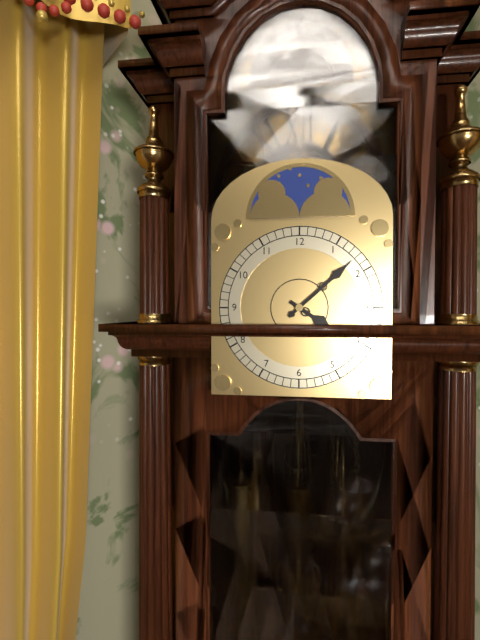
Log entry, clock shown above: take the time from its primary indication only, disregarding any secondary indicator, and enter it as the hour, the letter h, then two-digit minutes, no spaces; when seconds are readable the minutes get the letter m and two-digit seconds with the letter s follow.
4h08
